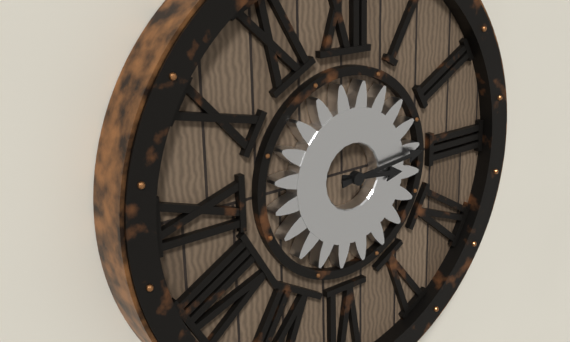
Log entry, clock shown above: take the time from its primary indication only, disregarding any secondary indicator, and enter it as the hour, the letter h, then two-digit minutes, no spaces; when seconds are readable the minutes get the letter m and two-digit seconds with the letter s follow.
3h14
